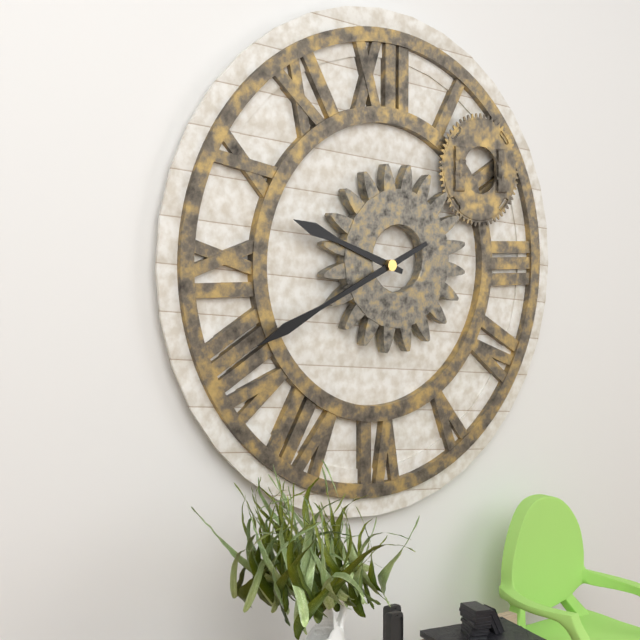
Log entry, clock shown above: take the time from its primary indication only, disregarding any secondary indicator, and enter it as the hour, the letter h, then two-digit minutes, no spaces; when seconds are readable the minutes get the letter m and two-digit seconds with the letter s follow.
9h41
